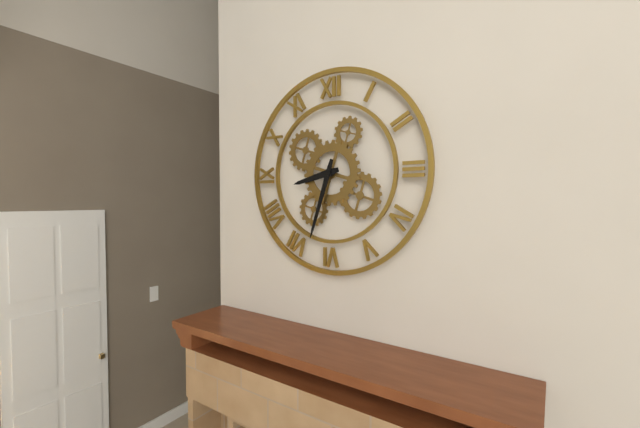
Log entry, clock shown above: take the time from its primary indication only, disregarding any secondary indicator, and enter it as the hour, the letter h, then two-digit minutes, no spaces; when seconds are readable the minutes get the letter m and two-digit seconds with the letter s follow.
8h33
